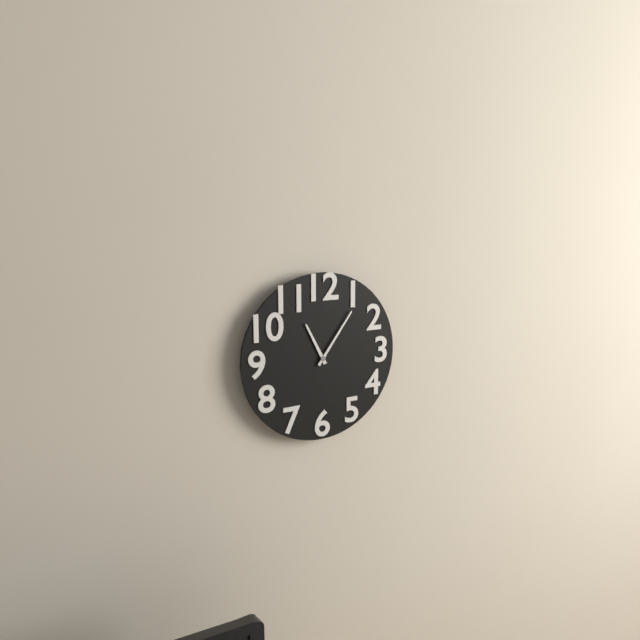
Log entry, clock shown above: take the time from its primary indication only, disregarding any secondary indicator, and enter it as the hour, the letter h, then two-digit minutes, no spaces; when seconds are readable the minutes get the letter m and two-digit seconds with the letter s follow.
11h06
